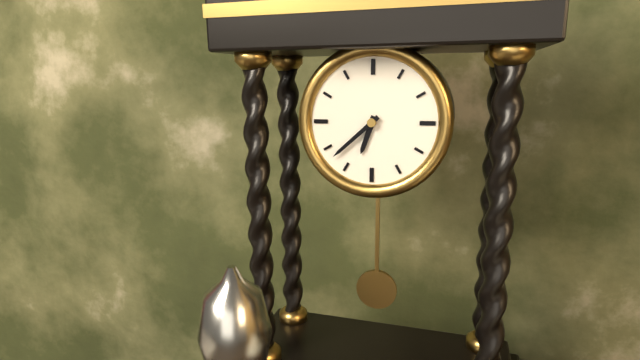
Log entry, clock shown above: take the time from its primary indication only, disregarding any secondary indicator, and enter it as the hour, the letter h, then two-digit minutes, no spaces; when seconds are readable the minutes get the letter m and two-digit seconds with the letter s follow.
6h38
